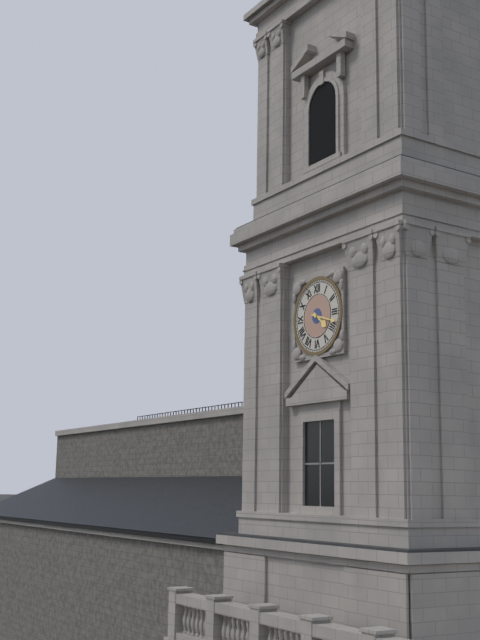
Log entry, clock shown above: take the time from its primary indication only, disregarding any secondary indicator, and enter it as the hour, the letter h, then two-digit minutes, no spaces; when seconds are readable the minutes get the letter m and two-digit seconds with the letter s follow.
4h18
